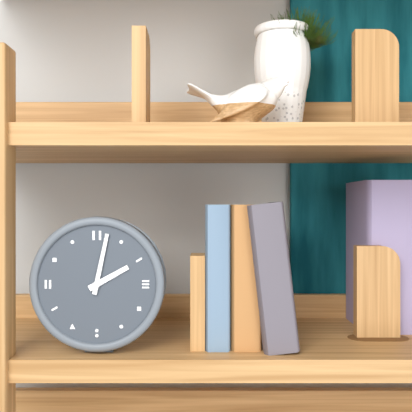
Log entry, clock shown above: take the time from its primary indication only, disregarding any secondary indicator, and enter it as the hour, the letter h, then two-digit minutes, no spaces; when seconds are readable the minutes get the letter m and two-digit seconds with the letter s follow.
2h02
